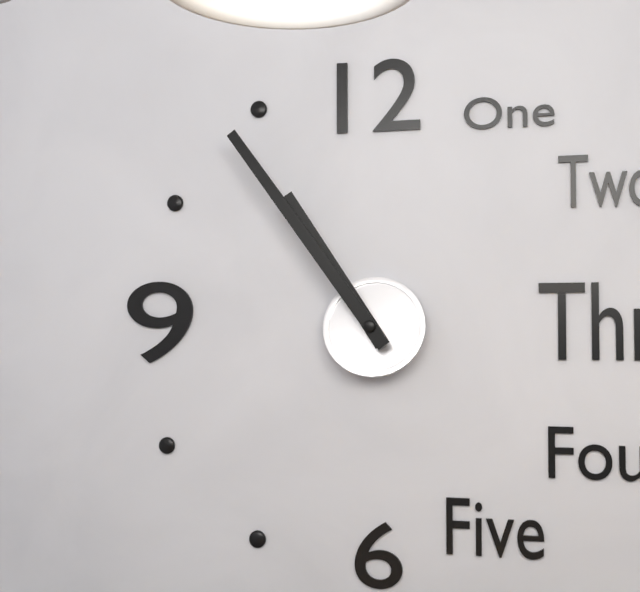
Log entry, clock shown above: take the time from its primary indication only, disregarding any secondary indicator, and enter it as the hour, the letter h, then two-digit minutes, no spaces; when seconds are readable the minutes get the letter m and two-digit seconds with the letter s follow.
10h54
